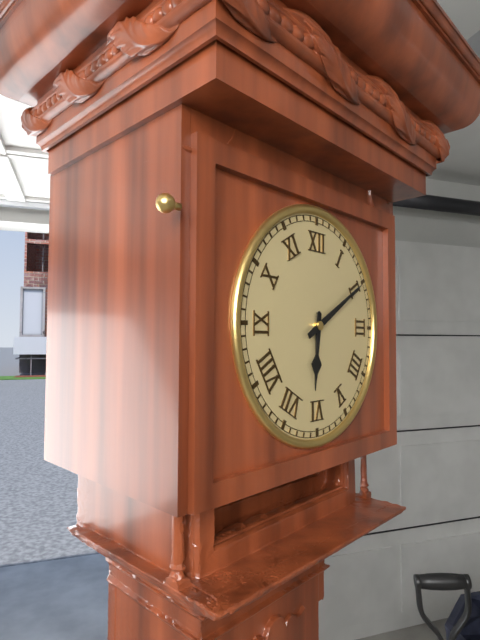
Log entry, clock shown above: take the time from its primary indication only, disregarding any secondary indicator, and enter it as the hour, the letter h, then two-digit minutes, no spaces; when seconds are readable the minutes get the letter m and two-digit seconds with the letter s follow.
6h10
